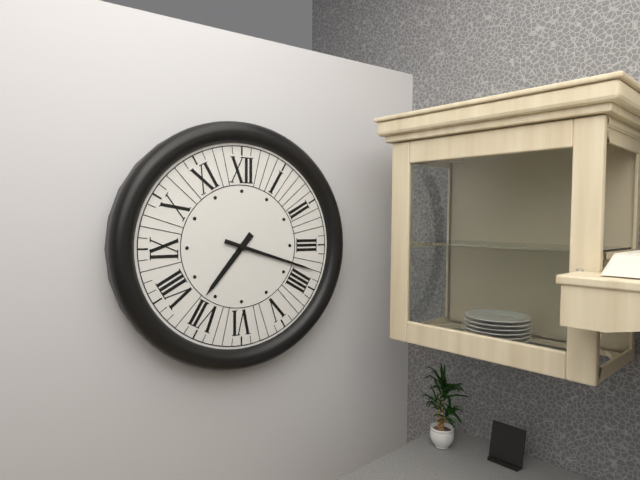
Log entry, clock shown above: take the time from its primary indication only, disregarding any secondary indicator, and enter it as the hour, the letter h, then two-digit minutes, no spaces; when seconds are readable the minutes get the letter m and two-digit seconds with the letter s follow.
7h18
